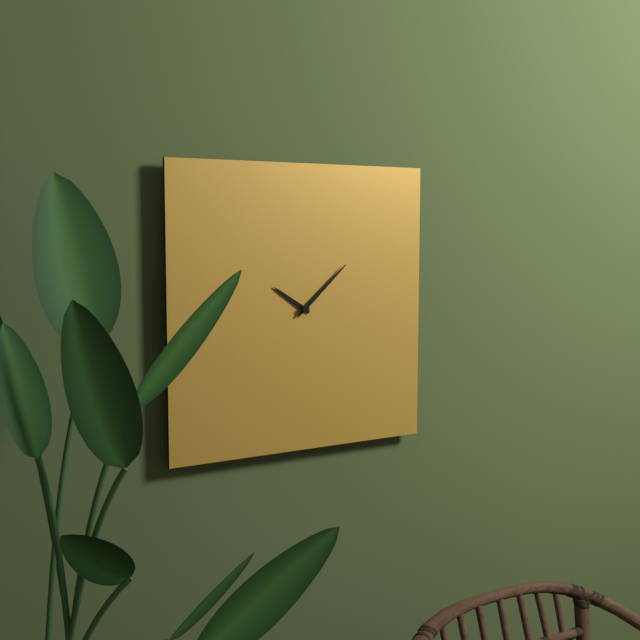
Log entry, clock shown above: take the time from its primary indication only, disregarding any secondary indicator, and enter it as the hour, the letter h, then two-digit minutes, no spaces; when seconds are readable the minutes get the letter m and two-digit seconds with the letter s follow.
10h08
